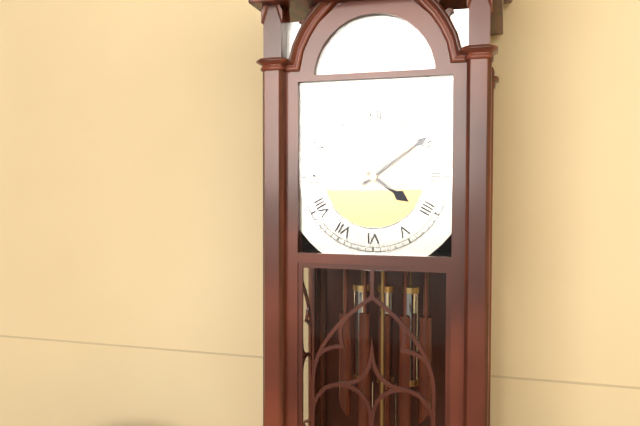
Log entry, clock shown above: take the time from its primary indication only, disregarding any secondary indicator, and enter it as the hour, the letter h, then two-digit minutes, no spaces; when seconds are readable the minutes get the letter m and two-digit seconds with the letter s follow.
4h09
